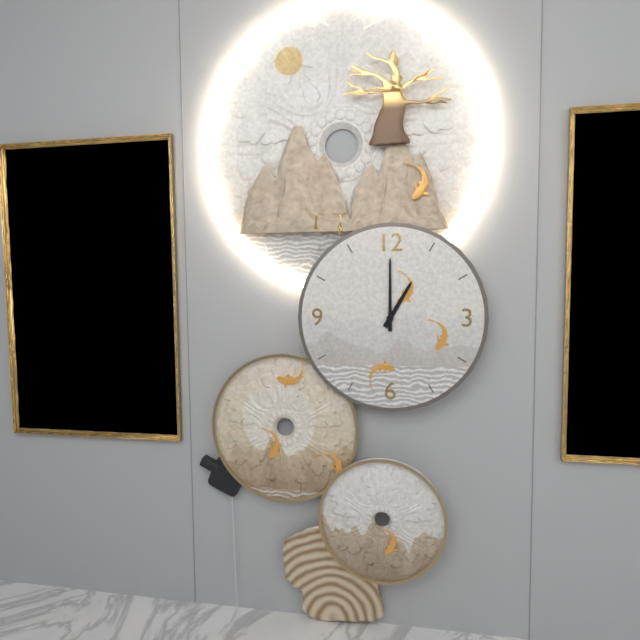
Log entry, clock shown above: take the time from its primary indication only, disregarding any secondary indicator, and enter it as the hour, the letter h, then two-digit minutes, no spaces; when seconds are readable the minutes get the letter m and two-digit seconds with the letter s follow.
1h00
